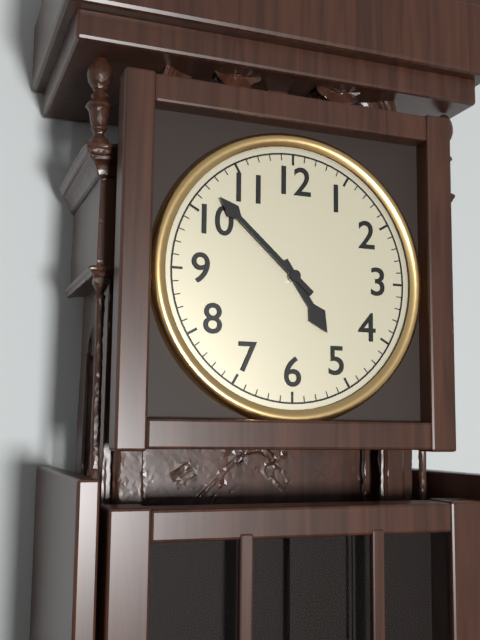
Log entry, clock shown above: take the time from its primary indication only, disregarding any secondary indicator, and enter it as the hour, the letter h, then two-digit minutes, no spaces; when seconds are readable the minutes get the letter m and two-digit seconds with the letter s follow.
4h52
